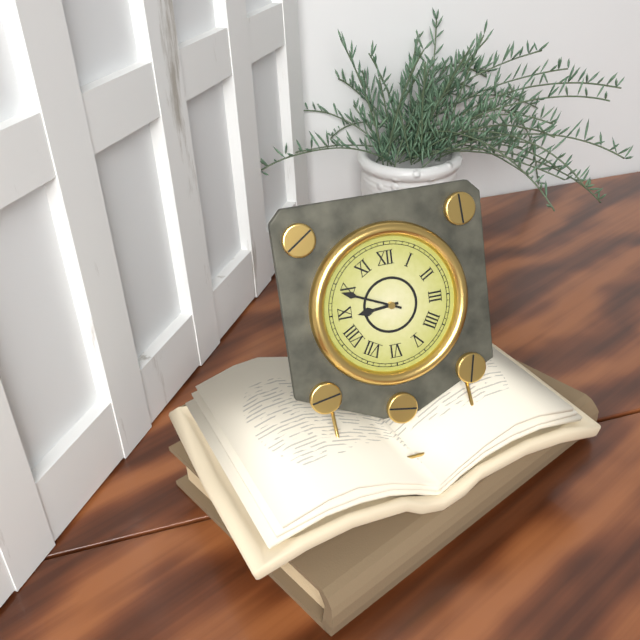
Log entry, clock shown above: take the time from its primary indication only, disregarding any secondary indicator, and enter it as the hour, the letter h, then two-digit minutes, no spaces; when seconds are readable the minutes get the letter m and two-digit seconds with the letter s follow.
8h49
